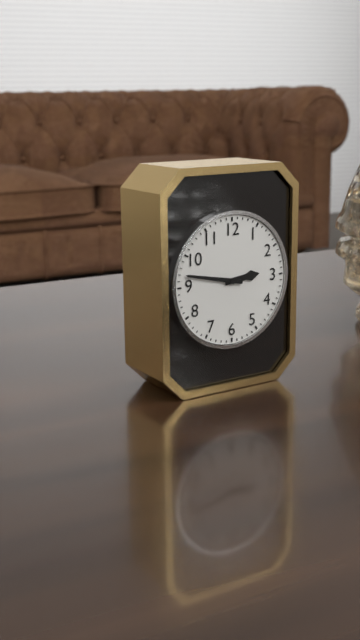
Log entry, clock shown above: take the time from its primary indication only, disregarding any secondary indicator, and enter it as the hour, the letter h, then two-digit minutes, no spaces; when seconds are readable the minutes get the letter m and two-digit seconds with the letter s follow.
2h47
